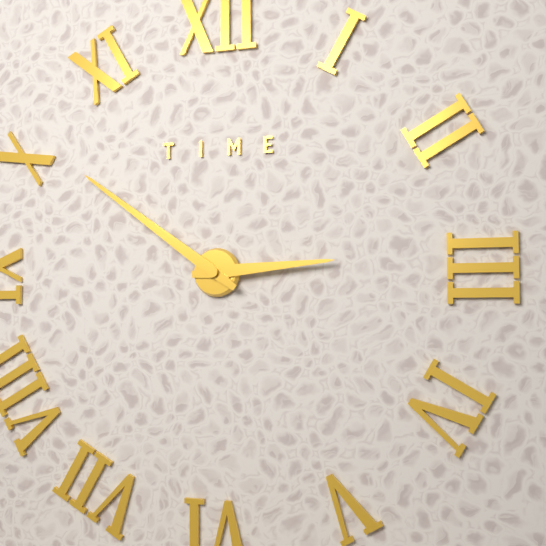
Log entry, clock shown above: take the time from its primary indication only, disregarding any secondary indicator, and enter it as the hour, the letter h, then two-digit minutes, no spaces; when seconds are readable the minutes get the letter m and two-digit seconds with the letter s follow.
2h51
